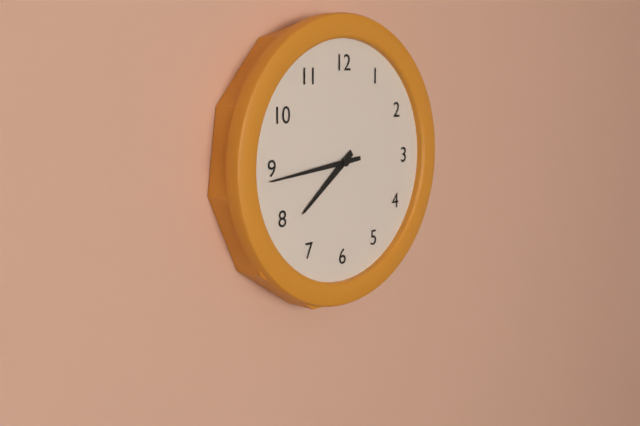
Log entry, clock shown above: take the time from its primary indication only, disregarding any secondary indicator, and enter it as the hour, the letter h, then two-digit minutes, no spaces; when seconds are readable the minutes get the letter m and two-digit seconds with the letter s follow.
7h44
